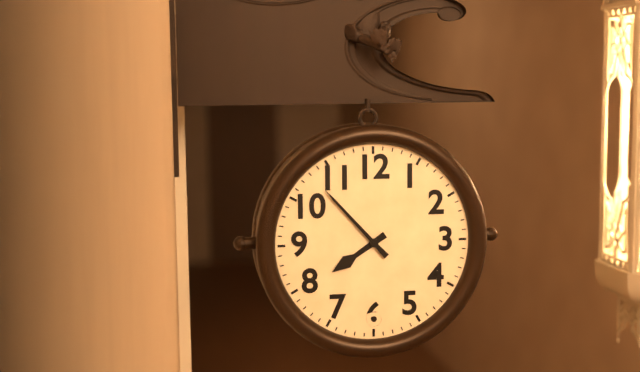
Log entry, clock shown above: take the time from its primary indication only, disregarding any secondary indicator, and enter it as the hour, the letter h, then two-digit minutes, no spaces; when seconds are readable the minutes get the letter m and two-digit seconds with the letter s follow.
7h53
